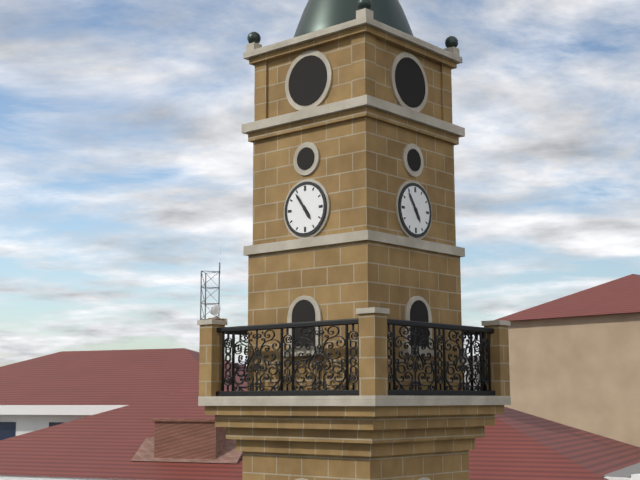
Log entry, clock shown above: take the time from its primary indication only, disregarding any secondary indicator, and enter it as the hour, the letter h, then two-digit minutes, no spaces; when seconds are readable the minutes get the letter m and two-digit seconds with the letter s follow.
4h54
